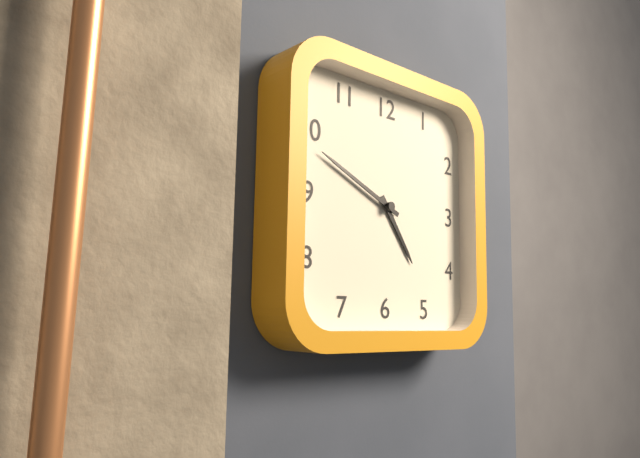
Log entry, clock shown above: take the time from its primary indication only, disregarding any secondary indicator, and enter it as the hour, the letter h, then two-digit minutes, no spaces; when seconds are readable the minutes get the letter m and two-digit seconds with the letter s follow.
4h49
